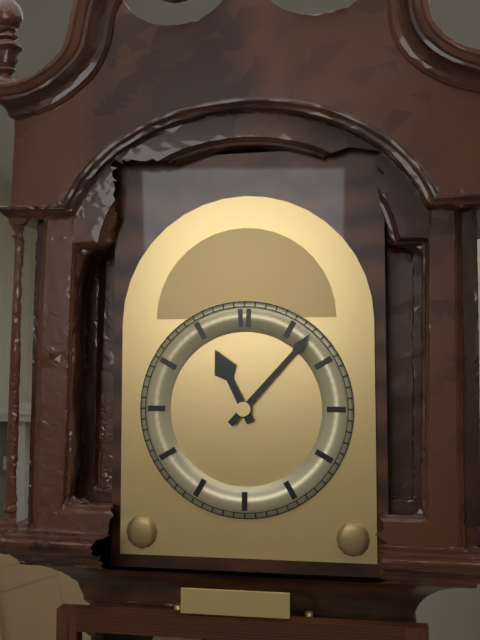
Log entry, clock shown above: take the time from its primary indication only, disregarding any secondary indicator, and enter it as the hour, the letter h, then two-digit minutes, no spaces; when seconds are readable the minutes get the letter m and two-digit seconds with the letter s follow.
11h07
